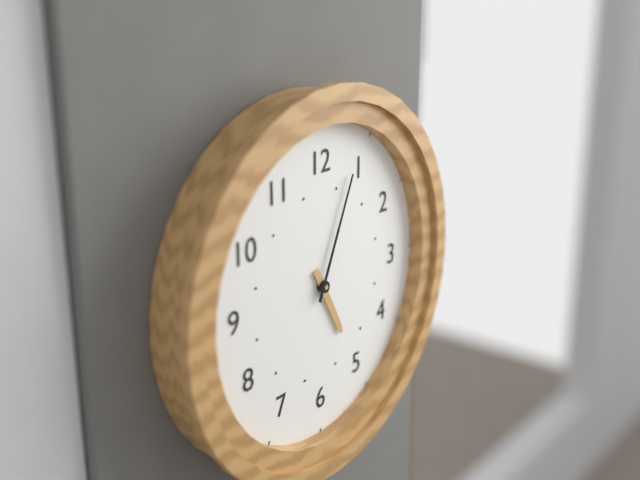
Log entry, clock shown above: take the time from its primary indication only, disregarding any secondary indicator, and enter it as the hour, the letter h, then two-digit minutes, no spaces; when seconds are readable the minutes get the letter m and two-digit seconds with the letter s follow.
5h04
